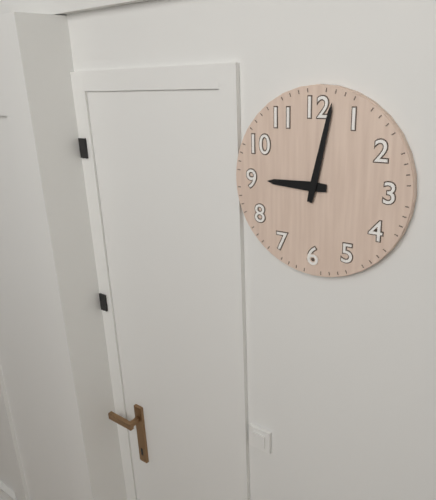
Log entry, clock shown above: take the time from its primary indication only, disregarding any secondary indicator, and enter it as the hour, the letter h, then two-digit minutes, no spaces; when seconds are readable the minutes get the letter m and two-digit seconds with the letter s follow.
9h02
